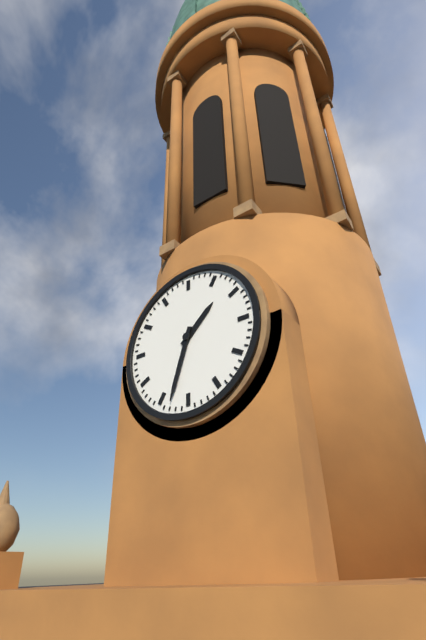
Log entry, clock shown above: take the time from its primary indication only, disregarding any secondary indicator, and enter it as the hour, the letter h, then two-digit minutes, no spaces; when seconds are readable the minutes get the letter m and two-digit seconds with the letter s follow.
1h33
